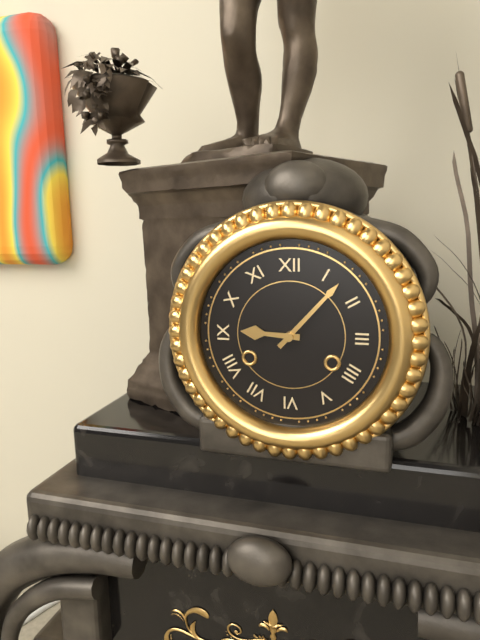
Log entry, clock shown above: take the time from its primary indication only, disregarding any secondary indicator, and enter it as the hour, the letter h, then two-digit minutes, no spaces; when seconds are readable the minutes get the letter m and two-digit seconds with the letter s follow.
9h07
